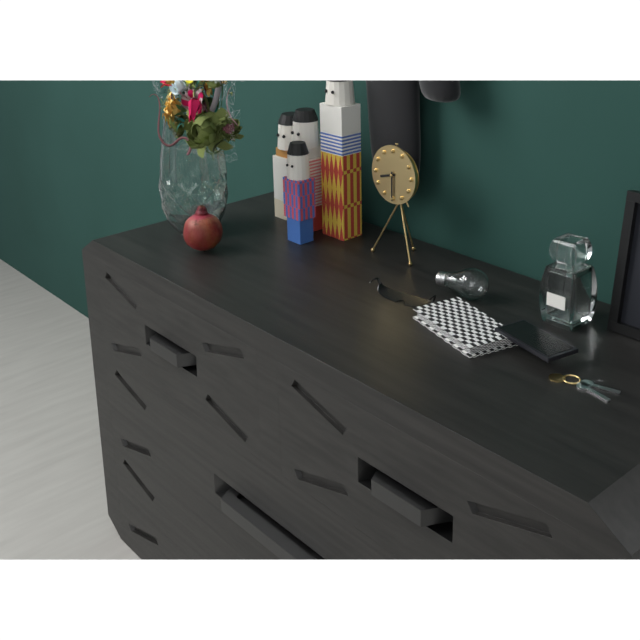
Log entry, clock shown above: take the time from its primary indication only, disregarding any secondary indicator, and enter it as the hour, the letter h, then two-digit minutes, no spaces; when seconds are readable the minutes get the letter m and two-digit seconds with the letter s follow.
8h30
